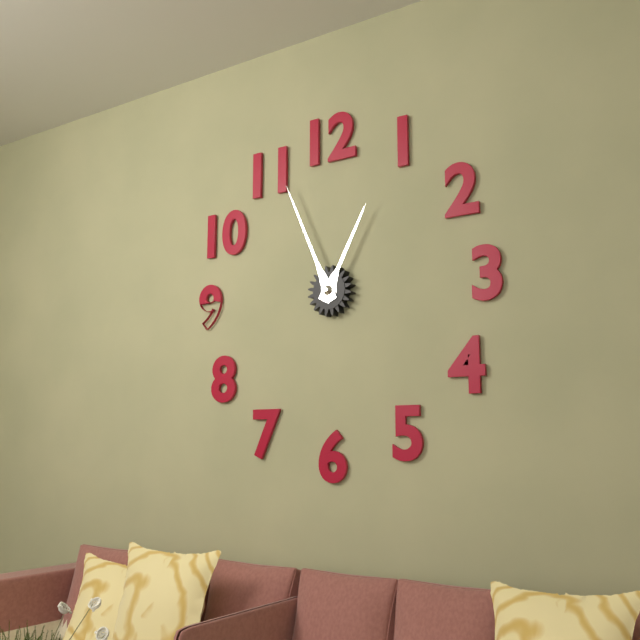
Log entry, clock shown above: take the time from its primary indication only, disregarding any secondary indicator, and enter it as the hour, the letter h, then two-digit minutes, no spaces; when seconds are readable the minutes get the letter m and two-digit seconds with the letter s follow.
12h56
